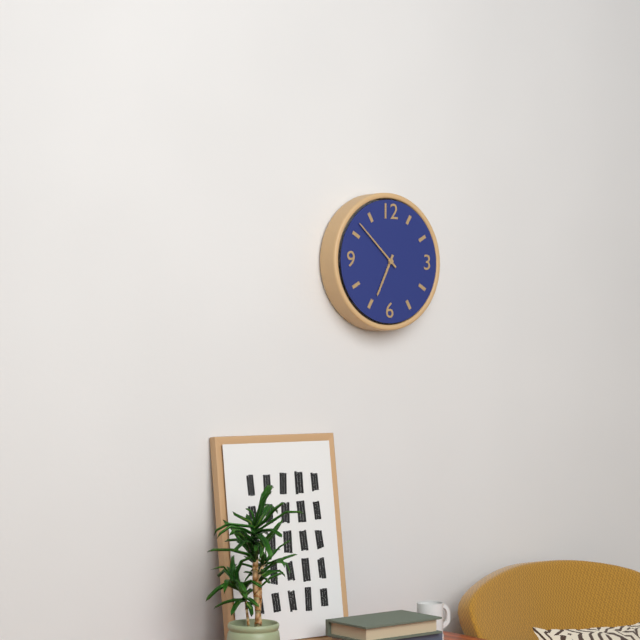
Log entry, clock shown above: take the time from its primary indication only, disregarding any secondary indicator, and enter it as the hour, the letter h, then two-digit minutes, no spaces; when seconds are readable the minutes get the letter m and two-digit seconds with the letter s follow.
6h52
